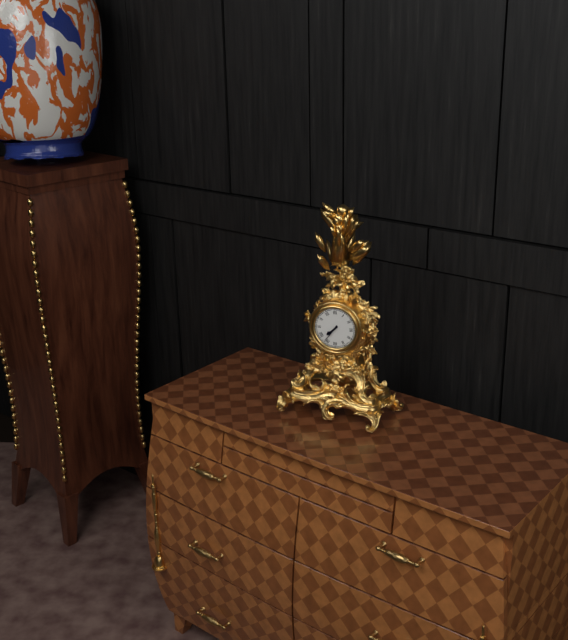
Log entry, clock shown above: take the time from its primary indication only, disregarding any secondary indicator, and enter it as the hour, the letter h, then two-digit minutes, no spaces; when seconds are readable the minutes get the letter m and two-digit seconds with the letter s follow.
7h36
